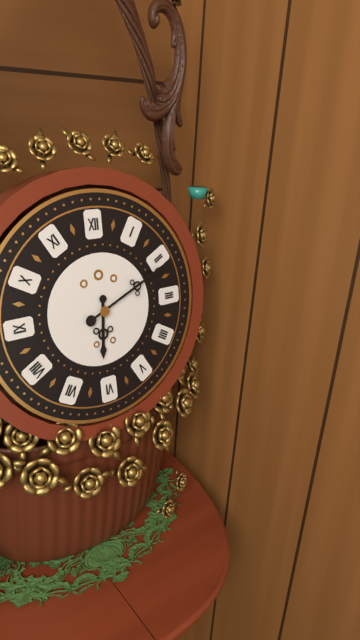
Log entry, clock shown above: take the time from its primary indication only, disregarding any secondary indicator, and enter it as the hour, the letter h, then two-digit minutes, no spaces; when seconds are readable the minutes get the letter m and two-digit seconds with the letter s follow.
6h11
